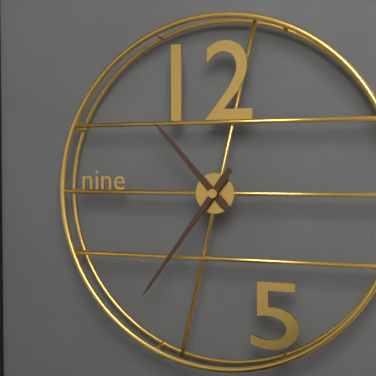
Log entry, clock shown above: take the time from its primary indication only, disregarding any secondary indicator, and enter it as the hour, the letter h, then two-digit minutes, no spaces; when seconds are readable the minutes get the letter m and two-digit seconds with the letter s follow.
10h36
